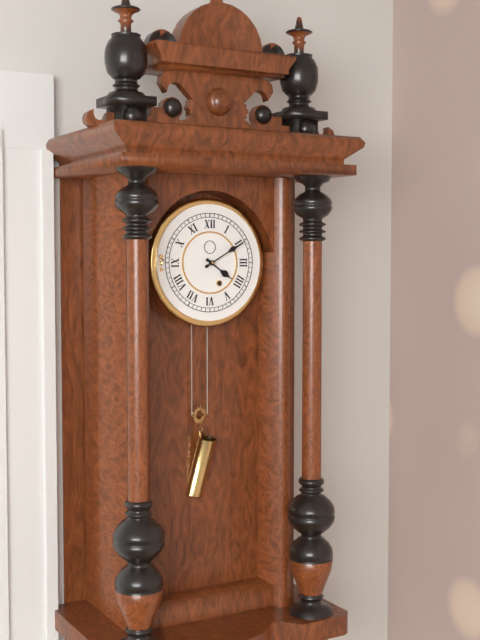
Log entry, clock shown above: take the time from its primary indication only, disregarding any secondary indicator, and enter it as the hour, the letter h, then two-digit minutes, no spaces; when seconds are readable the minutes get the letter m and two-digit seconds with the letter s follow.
4h10
